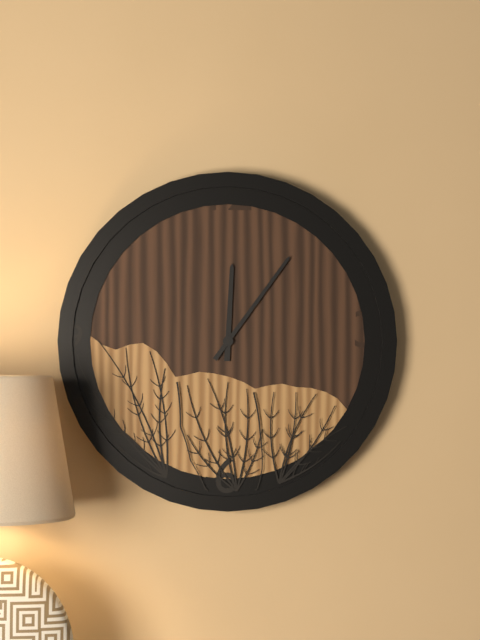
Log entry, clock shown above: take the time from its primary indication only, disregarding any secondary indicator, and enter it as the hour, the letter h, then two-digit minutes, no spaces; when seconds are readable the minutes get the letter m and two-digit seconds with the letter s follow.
12h06
